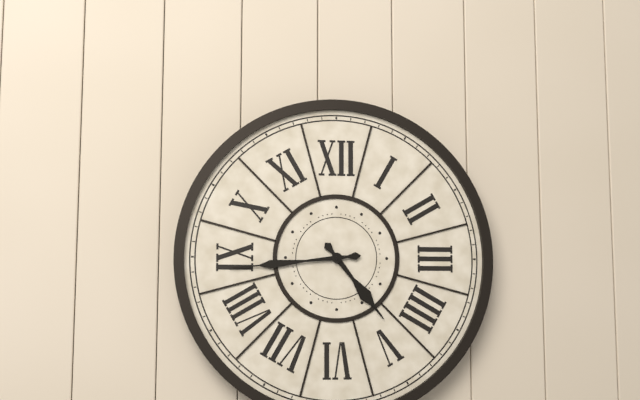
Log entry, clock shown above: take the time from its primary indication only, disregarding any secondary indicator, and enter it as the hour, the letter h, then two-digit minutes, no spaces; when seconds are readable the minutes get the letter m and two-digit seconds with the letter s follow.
4h44
